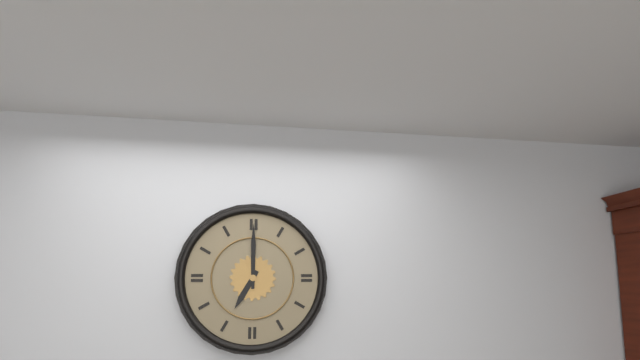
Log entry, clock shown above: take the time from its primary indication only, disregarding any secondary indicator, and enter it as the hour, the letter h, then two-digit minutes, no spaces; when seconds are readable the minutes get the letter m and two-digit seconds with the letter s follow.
7h00
